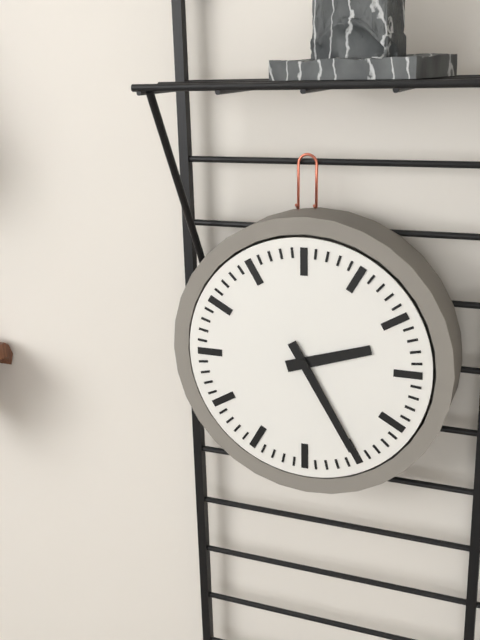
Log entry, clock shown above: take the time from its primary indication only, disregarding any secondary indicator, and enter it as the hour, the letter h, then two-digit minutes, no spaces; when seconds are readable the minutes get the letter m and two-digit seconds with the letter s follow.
2h25
